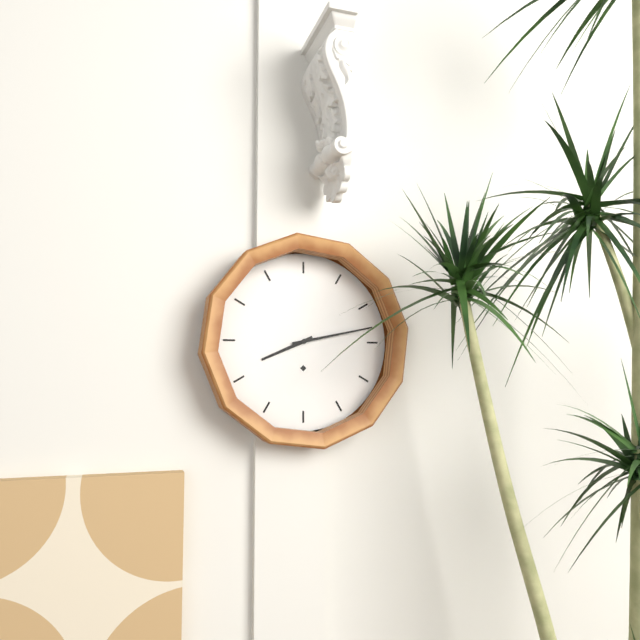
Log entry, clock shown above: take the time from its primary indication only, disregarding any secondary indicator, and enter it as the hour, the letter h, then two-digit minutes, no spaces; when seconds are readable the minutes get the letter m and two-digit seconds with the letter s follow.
8h13
